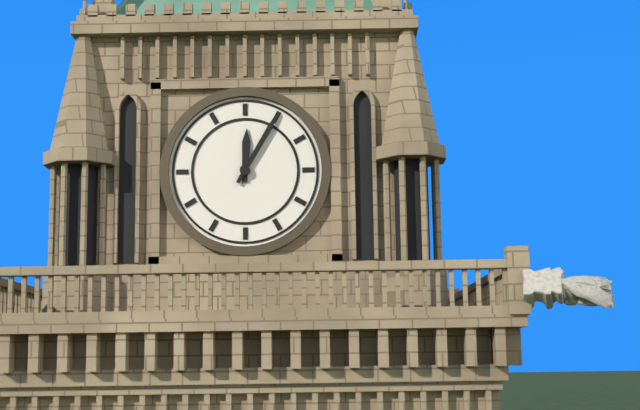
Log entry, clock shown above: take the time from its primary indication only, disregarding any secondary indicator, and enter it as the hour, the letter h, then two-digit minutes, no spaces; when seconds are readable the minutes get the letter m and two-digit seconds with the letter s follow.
12h05
